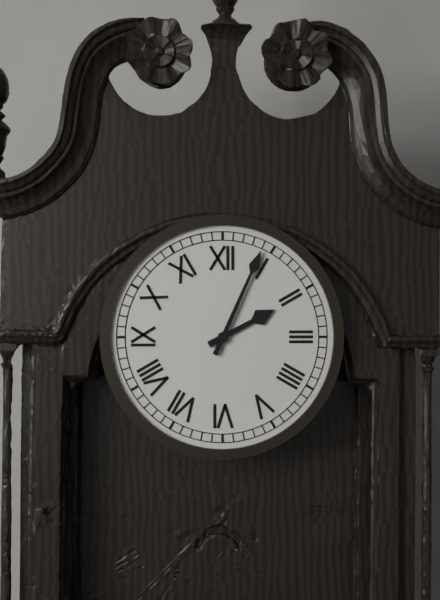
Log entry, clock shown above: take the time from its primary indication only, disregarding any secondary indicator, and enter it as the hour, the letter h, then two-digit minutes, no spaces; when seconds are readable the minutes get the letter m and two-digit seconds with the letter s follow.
2h04
